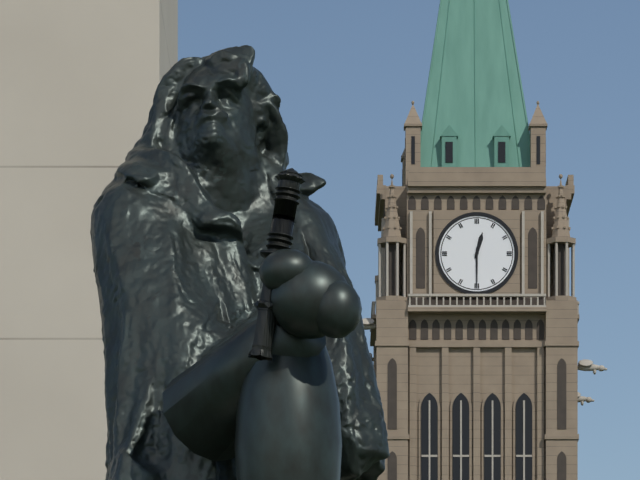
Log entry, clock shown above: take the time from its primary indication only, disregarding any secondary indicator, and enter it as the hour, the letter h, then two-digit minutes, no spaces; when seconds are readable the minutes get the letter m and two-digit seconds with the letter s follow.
12h30
